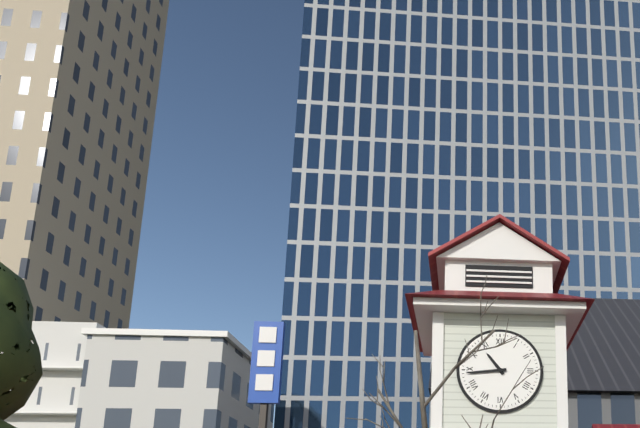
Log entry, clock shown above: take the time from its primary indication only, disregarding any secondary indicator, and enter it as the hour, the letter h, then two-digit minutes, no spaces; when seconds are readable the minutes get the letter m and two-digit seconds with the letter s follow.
10h44
